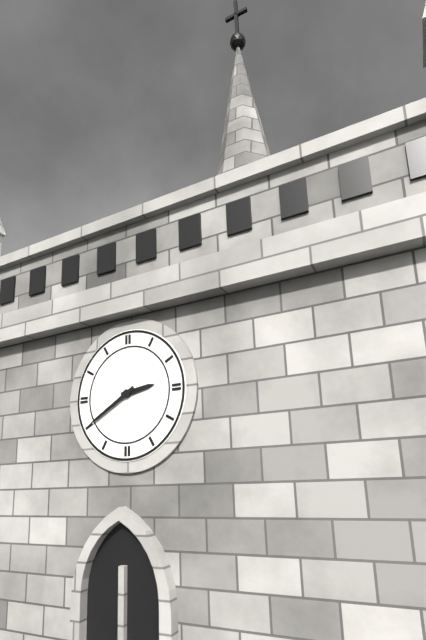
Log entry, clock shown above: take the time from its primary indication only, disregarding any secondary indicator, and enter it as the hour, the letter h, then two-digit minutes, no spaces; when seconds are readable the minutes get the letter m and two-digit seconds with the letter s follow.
2h40
